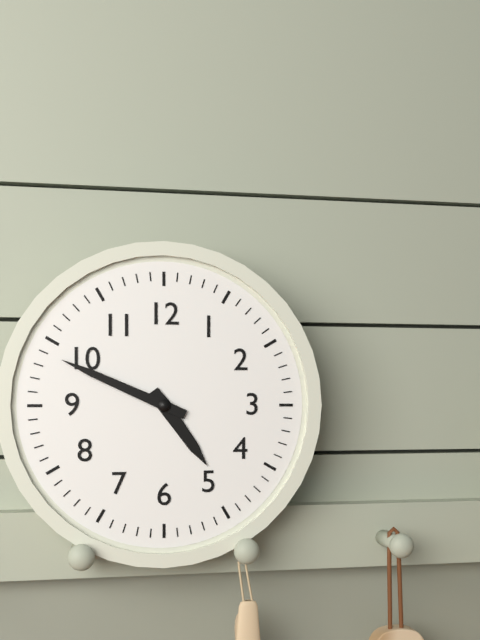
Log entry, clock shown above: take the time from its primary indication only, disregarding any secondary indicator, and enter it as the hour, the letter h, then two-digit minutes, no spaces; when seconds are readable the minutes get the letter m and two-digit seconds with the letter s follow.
4h49
